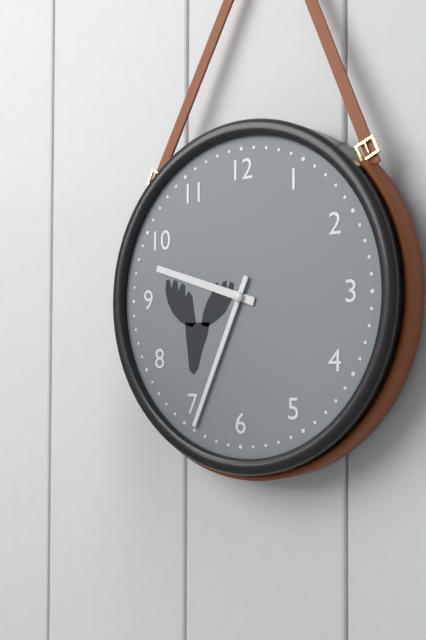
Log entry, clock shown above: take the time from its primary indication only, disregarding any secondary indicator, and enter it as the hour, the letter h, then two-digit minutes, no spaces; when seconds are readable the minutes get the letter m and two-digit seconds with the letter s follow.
9h34
